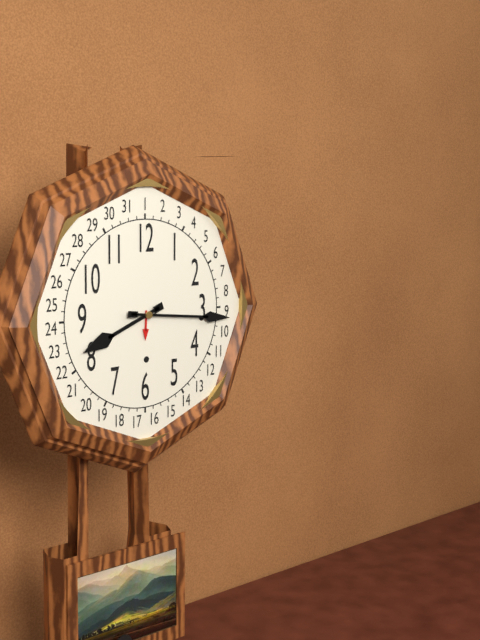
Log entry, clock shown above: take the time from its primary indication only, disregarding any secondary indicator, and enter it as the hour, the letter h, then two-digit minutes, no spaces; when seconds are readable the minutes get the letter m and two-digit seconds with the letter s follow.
8h16
